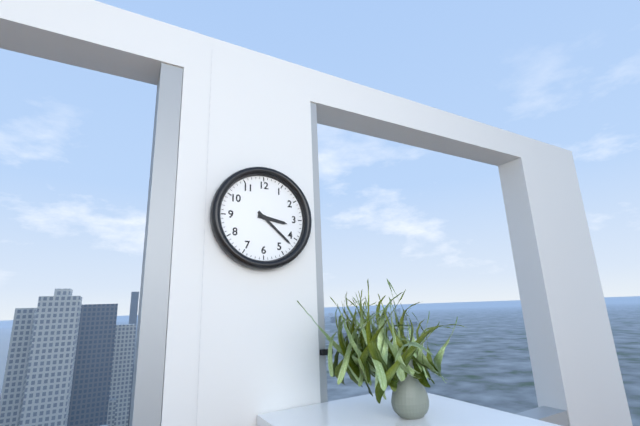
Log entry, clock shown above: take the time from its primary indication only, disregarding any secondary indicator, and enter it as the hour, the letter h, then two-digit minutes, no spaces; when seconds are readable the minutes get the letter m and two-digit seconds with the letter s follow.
3h22
